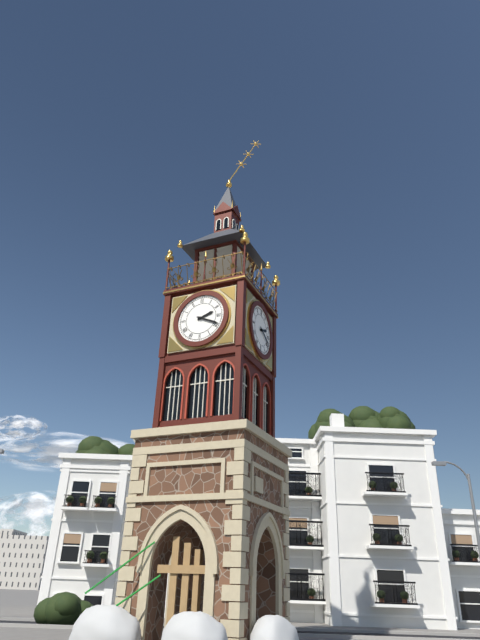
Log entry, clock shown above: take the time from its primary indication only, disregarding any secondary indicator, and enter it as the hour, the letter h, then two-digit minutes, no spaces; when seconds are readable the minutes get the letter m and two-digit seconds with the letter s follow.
2h19
